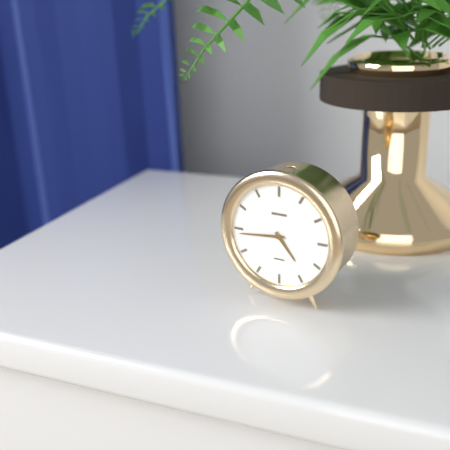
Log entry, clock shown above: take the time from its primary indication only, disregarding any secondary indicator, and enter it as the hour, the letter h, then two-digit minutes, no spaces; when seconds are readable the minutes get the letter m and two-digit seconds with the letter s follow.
4h44
